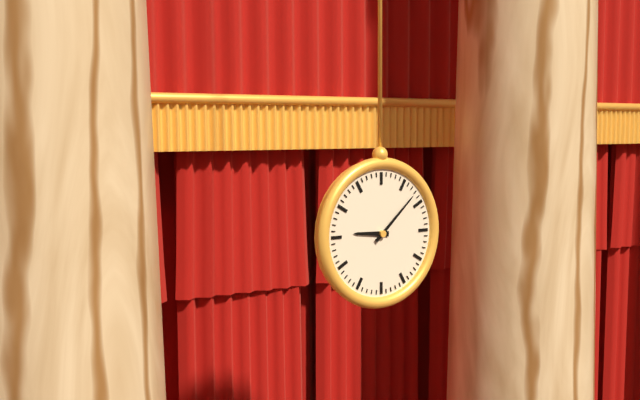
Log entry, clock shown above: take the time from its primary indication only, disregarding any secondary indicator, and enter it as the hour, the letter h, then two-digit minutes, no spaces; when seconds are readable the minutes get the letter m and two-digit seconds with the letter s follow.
9h08
